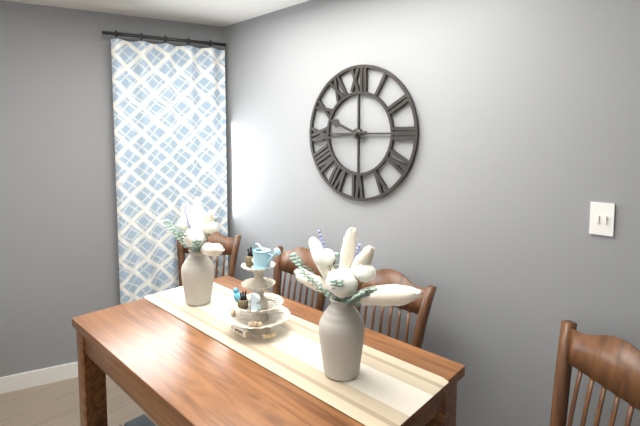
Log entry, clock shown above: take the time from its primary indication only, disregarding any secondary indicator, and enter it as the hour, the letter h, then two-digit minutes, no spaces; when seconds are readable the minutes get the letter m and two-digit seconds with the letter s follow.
9h44
